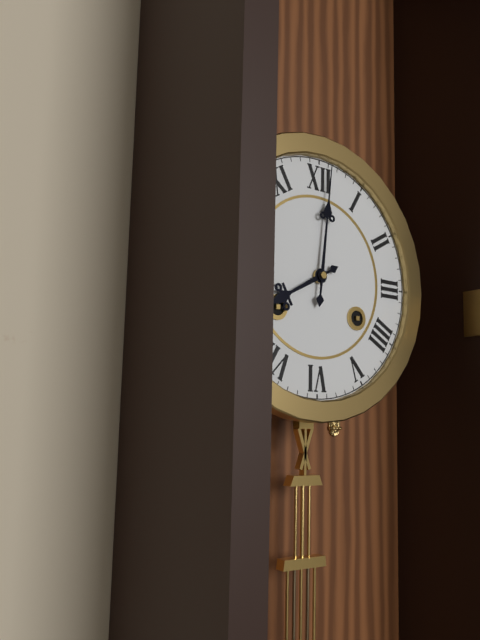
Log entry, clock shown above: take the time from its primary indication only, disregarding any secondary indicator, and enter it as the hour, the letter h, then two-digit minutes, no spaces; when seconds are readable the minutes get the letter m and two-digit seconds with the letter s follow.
8h01
